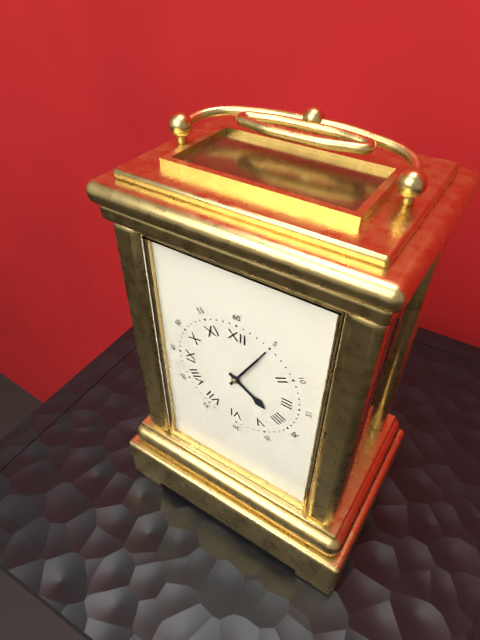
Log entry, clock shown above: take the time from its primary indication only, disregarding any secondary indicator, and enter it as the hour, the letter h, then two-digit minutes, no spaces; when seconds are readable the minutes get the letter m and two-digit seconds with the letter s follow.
4h05
